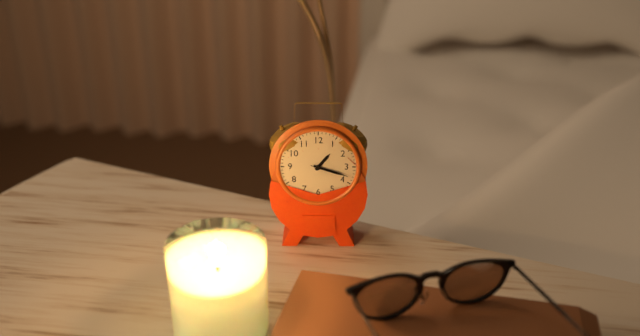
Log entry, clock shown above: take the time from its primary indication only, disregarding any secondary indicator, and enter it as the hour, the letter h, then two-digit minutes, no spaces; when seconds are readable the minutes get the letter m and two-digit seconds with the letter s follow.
1h18
